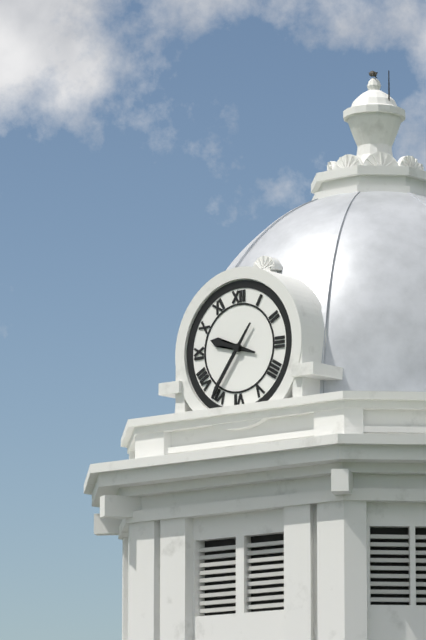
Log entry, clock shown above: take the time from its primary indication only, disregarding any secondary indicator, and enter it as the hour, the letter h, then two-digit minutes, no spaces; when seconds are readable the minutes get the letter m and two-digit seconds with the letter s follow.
9h36
